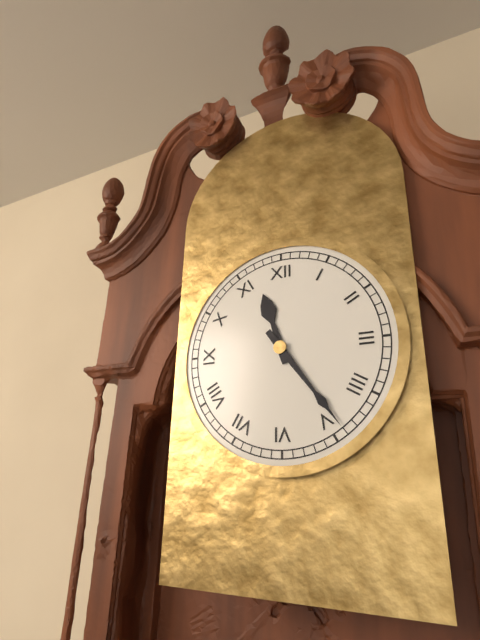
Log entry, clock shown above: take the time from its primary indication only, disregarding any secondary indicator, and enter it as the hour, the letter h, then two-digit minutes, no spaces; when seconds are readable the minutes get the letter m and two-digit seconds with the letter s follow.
11h24
